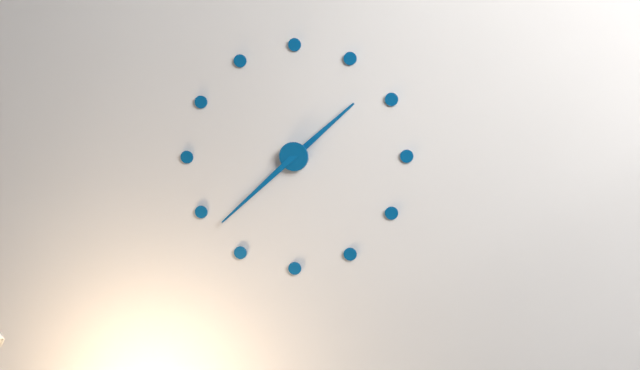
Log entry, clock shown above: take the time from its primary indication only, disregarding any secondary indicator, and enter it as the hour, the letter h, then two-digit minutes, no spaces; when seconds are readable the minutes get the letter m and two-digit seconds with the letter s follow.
1h38
